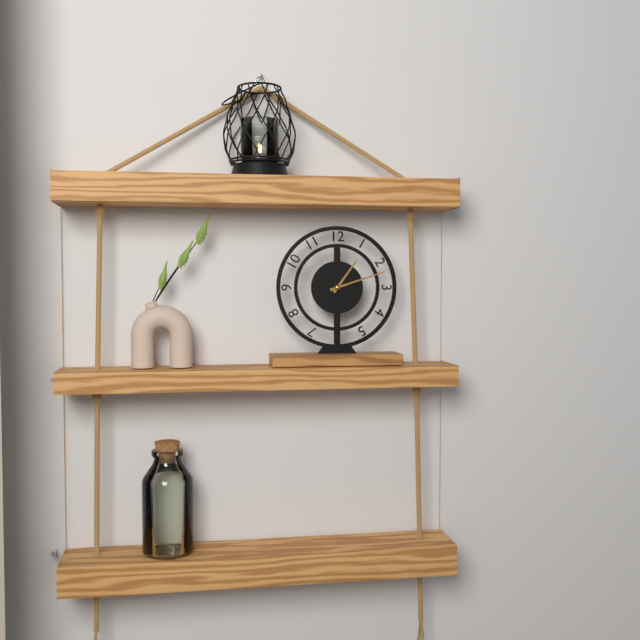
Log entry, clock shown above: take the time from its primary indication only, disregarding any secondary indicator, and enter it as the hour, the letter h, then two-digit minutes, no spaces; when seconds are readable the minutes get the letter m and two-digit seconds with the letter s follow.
1h12
